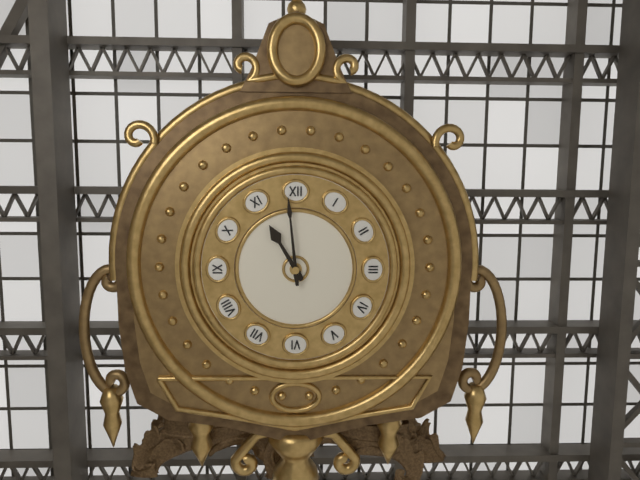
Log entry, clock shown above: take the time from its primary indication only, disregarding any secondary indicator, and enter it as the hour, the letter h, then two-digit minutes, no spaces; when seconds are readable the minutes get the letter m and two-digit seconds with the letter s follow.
10h59
